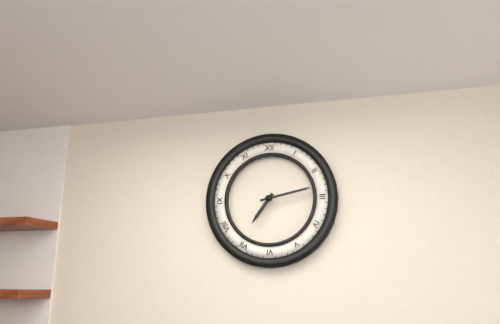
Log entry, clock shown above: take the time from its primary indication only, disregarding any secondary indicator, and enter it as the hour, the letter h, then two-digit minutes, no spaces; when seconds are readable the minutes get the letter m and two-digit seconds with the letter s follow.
7h13
